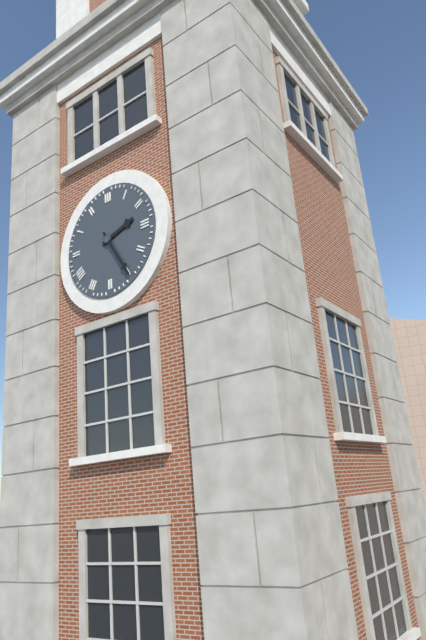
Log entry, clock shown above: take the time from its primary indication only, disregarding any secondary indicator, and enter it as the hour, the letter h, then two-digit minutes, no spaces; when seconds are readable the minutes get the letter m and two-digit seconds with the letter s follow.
2h25
